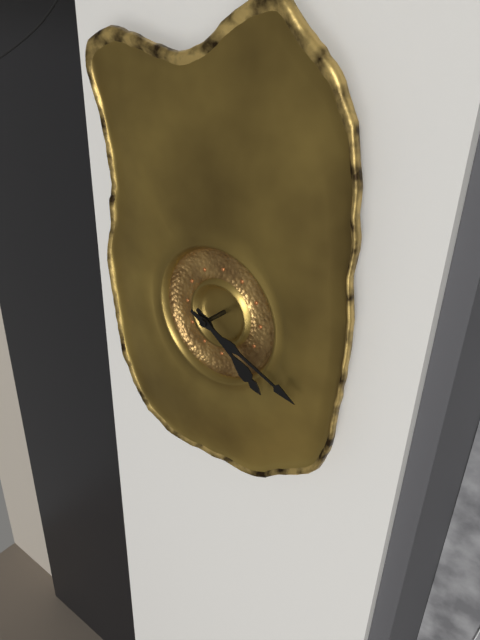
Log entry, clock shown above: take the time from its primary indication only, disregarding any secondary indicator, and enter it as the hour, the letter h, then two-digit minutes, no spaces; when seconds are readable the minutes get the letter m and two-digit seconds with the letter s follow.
4h19
